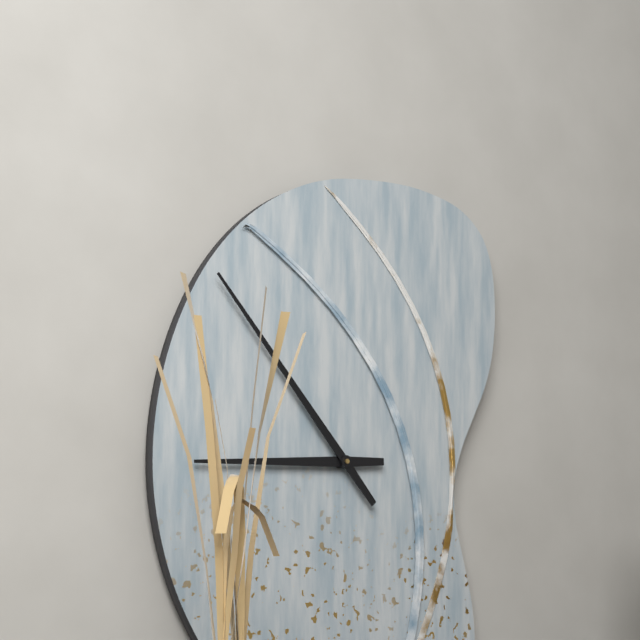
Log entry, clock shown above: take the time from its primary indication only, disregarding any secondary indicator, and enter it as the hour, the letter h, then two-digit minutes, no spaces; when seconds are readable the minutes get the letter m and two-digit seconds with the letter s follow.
8h53
